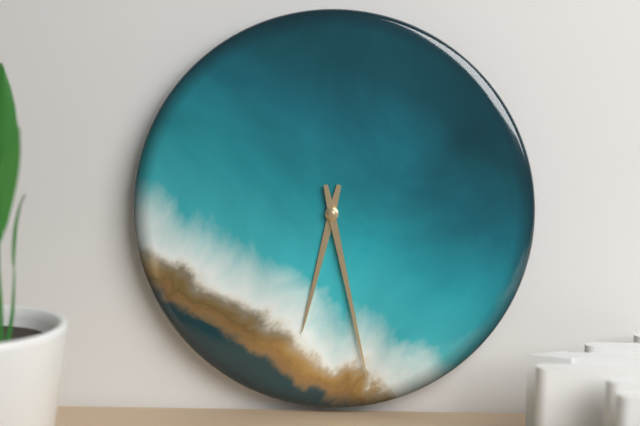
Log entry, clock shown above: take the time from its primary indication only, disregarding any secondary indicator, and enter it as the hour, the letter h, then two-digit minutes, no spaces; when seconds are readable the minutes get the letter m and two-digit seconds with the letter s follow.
6h28
